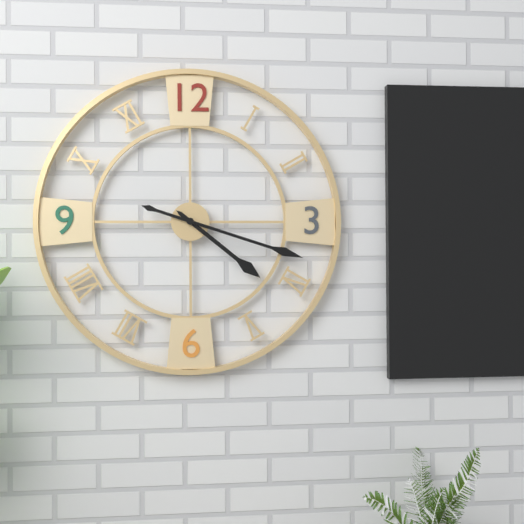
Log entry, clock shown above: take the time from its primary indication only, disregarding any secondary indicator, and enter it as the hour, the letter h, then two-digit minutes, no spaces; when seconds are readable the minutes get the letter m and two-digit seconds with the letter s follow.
4h18
